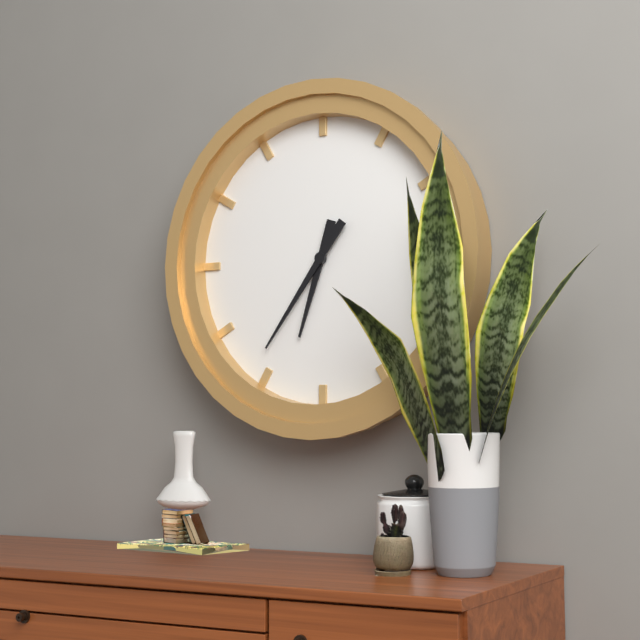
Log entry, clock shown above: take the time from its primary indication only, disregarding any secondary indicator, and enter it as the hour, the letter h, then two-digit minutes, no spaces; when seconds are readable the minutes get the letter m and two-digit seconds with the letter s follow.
6h36
